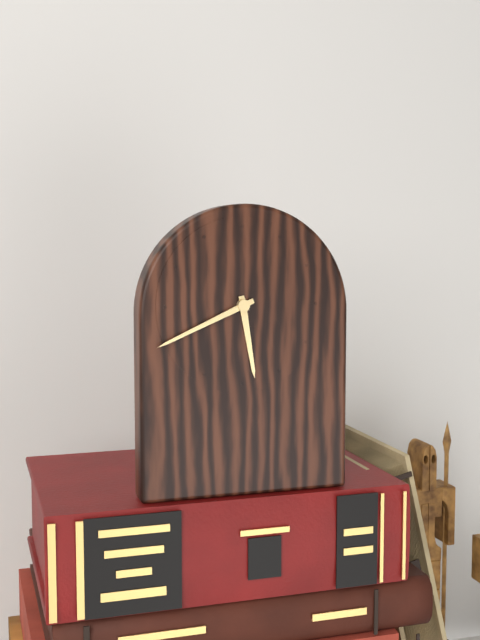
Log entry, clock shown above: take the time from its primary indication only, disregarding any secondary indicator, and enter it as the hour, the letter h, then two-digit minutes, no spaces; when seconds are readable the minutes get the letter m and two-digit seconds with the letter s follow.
5h41
